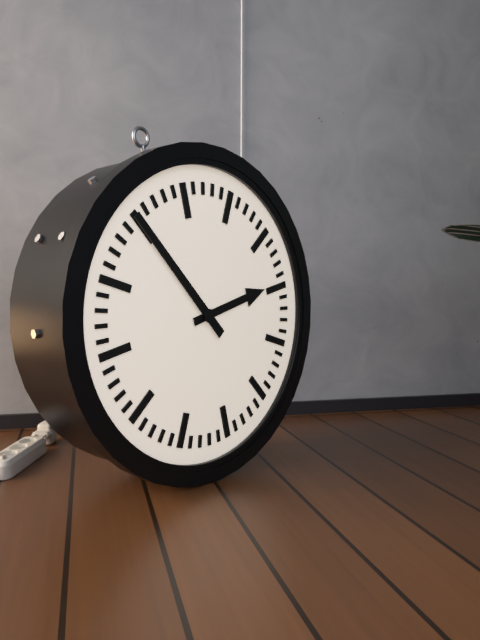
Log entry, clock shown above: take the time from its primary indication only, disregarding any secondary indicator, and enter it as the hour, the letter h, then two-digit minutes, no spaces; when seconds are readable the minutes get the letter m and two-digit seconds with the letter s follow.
2h55
